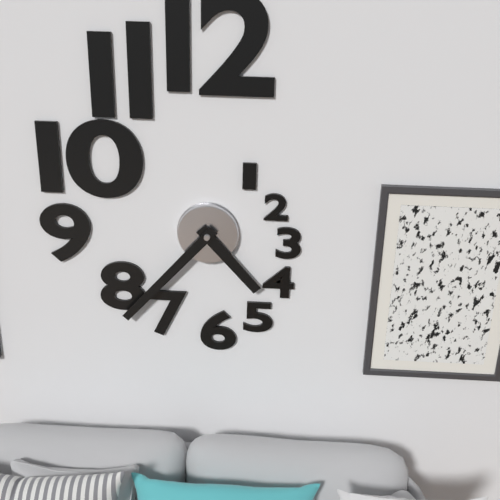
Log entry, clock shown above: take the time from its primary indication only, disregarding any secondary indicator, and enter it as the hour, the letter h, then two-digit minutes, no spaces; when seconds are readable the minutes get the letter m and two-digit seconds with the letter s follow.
4h37
